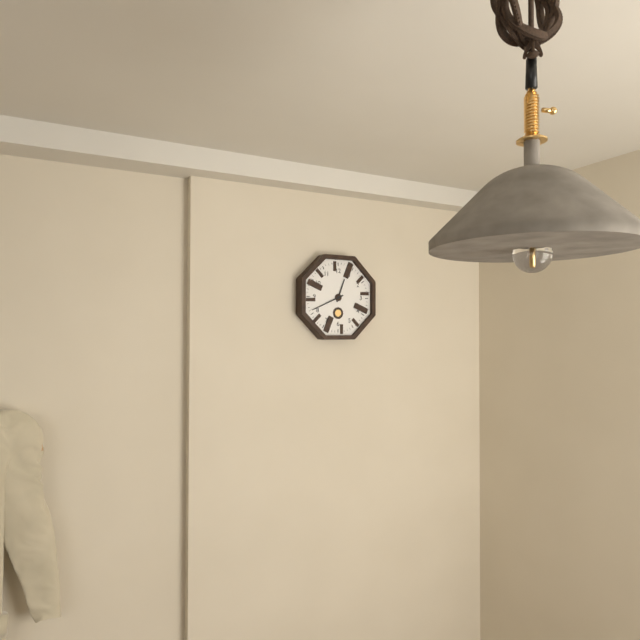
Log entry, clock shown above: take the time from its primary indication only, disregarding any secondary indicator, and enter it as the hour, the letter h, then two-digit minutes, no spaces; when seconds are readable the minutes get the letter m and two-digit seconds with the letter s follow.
12h41
